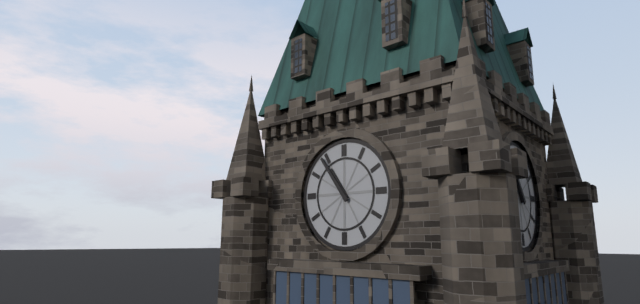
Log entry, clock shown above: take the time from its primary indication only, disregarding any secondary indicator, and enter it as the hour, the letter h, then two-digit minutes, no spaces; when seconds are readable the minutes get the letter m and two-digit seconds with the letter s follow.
10h54
